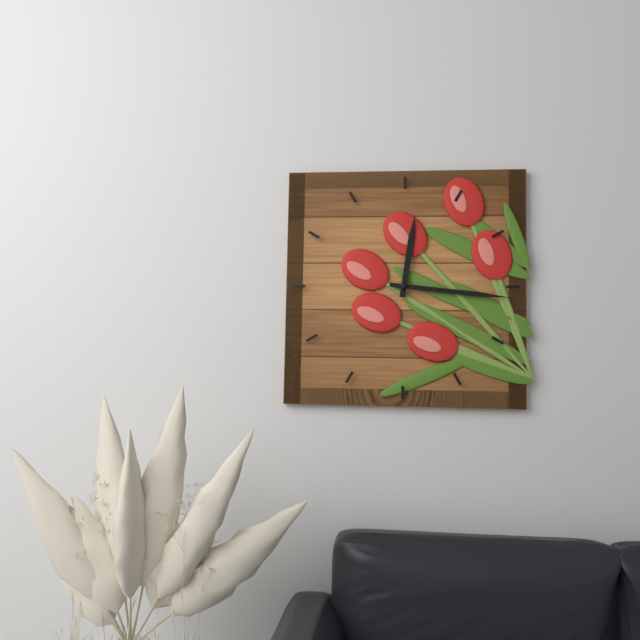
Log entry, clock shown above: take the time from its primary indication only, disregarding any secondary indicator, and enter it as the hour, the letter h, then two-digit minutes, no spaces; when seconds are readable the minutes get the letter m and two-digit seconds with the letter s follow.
12h16
